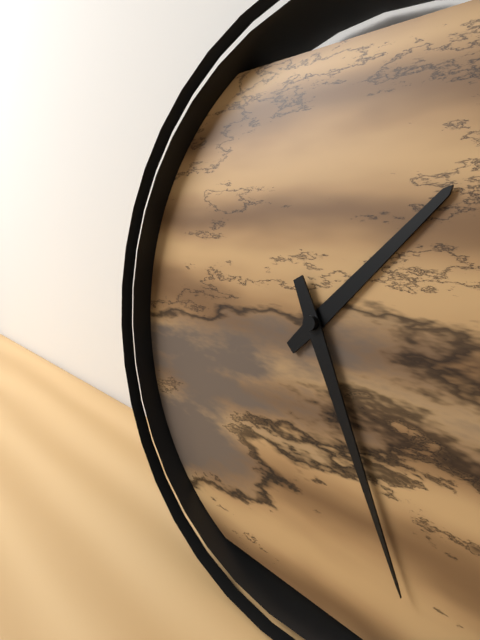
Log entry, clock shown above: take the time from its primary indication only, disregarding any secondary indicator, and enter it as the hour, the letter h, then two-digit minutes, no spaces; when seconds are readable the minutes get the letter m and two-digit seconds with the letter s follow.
1h25
